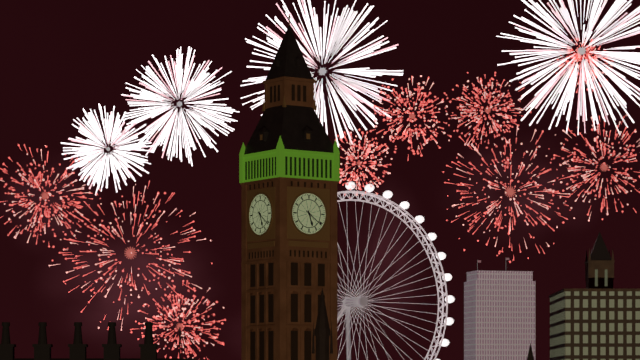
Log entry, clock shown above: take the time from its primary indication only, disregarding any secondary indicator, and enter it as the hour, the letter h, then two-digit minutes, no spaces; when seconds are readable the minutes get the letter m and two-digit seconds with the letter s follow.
5h21
